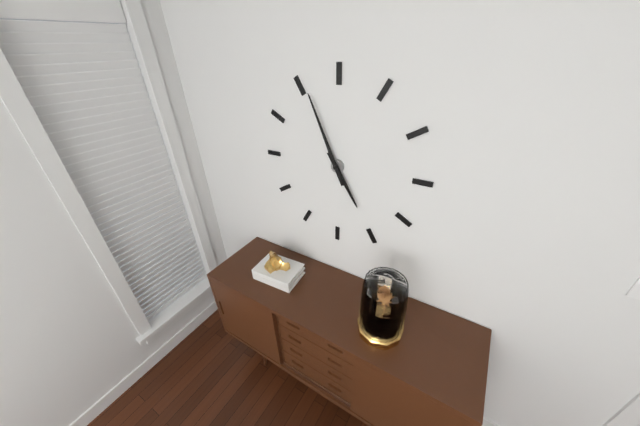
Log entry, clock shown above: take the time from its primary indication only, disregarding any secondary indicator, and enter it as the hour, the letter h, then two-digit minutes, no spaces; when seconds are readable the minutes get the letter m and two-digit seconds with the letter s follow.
4h56
